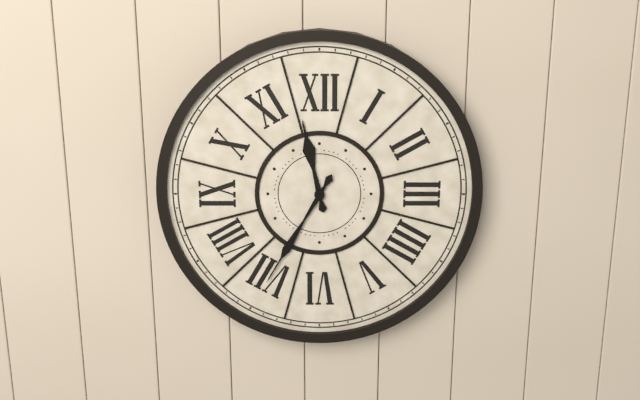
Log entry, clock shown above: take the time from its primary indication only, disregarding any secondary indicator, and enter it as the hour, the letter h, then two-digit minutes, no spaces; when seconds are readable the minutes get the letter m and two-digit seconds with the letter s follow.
11h35
